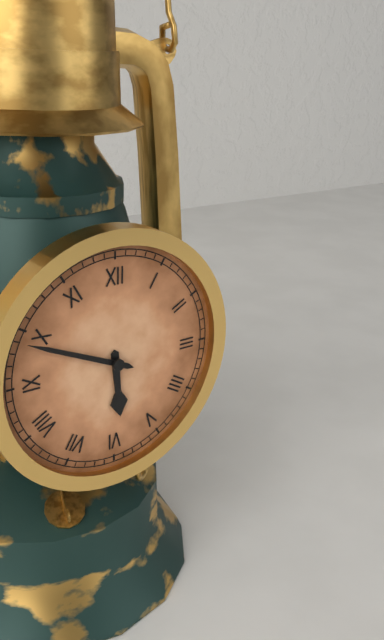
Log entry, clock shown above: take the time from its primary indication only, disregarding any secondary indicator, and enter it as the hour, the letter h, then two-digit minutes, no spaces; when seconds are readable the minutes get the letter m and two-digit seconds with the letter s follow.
5h49
